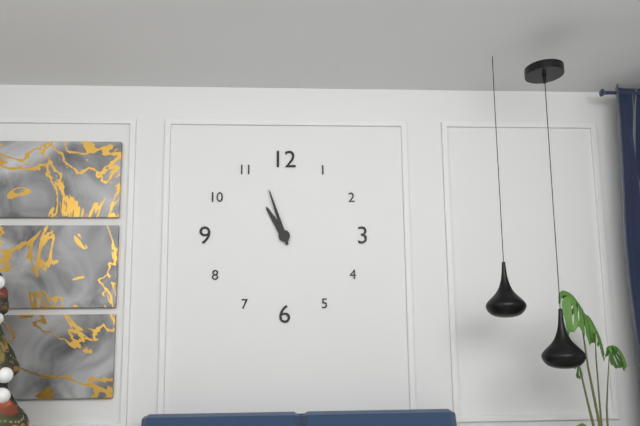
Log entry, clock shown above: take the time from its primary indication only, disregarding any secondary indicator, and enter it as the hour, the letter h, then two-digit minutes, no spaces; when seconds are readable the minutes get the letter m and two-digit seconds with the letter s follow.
10h57
